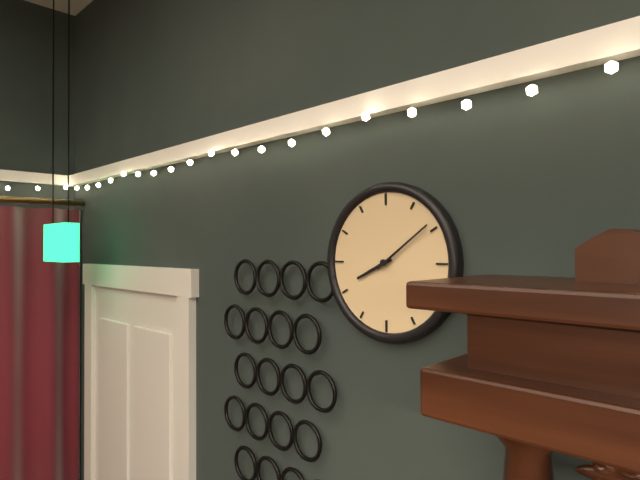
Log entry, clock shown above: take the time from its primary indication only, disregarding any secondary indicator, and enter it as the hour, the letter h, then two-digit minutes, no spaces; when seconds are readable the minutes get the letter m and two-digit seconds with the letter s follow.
8h09
